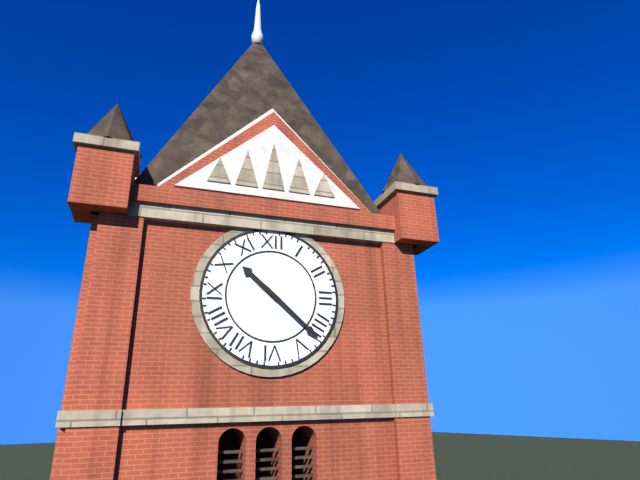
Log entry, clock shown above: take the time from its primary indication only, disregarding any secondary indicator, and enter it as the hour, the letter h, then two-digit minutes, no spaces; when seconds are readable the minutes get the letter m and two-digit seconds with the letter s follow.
10h22
